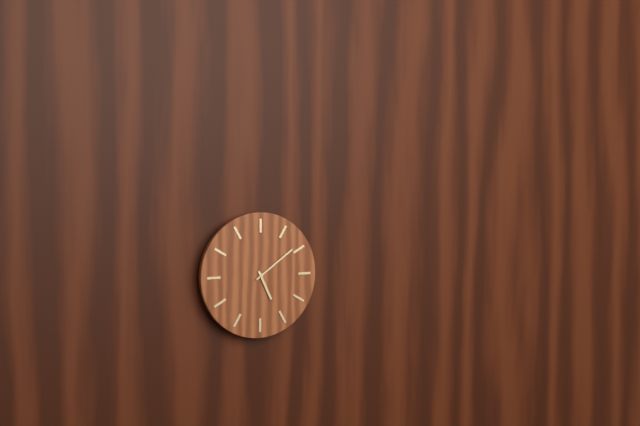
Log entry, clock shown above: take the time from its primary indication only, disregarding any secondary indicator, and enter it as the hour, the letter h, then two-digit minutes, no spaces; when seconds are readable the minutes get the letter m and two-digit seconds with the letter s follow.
5h09
